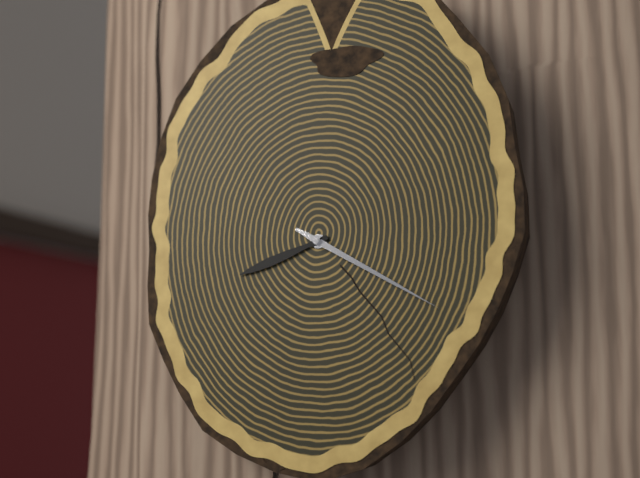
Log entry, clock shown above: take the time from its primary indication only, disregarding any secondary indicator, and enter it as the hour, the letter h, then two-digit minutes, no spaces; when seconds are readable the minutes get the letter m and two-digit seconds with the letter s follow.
8h20
